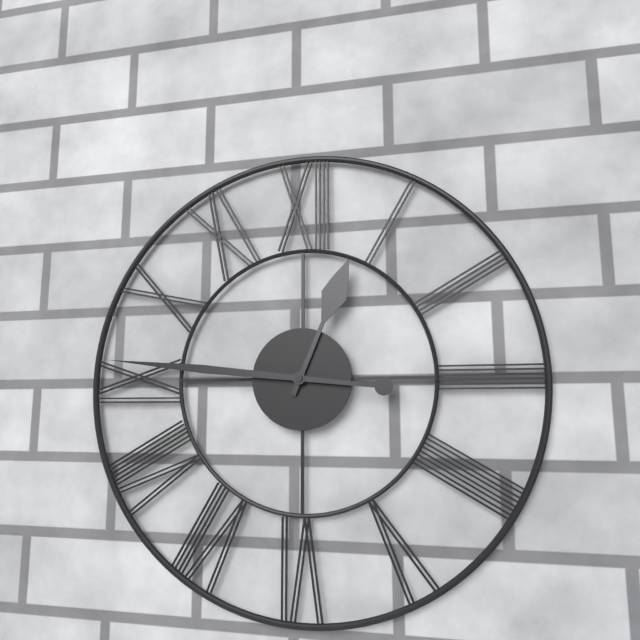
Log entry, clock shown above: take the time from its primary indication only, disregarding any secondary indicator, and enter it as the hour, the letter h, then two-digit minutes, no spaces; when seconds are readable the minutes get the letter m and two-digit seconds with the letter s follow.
12h46
